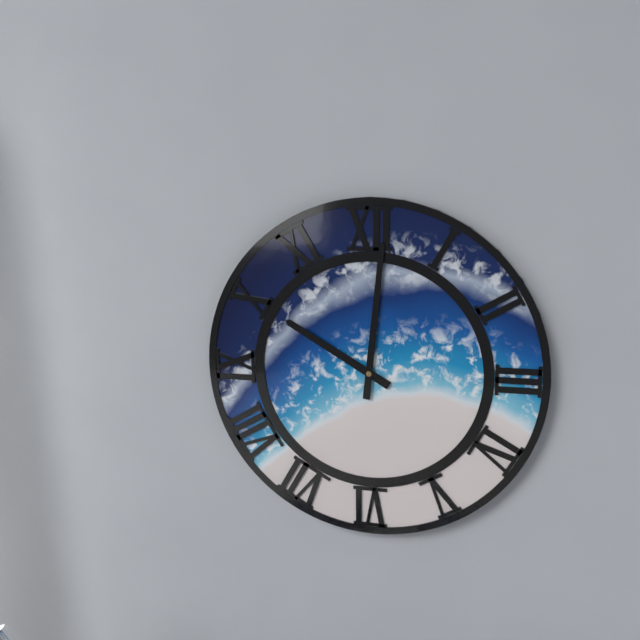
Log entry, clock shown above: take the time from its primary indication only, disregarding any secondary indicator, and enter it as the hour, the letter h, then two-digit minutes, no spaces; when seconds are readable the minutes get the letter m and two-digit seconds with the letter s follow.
10h01
